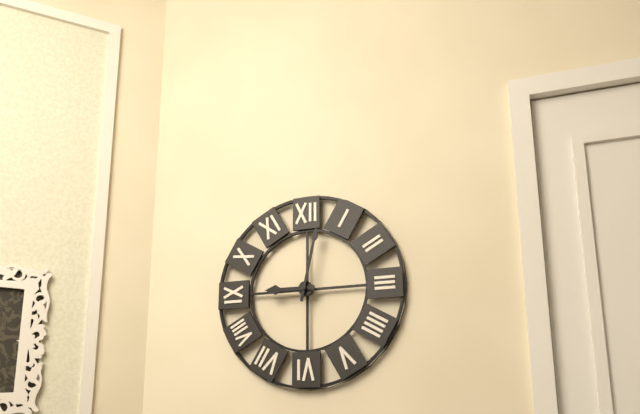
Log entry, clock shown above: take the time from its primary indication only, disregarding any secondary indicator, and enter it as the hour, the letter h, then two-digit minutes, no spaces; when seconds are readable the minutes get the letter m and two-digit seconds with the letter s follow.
9h02
